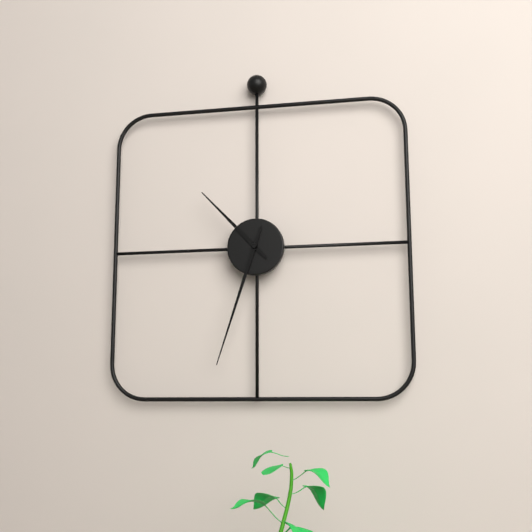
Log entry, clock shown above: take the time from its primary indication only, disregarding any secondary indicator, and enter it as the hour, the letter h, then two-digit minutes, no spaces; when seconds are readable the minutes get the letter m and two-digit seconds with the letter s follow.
10h33
